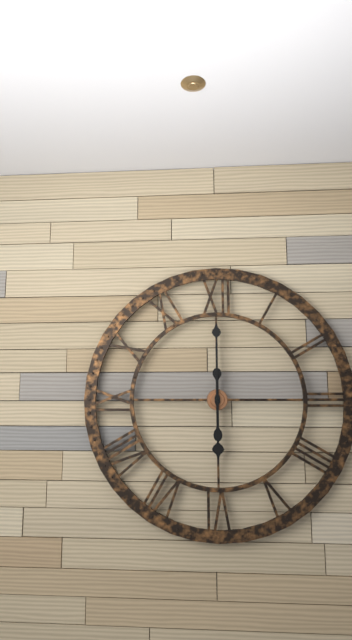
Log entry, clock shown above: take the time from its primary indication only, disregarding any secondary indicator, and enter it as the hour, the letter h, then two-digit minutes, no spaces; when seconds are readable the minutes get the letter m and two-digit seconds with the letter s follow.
6h00
